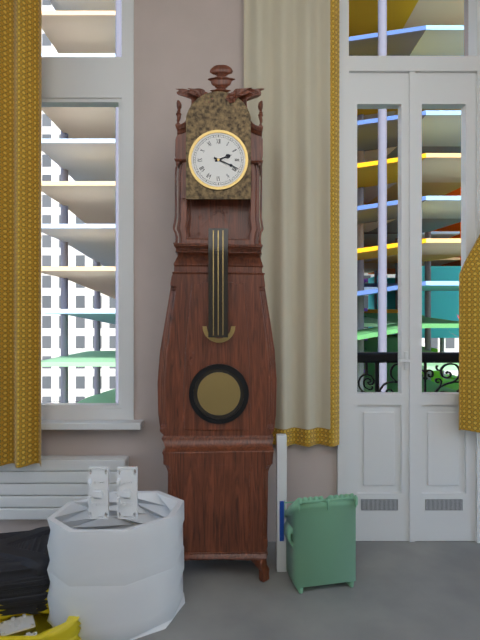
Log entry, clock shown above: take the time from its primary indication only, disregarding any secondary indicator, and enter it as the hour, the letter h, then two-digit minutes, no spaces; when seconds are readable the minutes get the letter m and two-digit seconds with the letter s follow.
2h19
